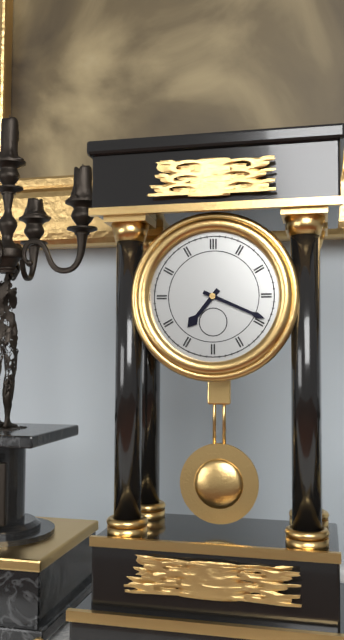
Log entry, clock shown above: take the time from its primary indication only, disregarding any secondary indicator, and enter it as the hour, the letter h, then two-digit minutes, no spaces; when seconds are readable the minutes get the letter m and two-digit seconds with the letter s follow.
7h19
